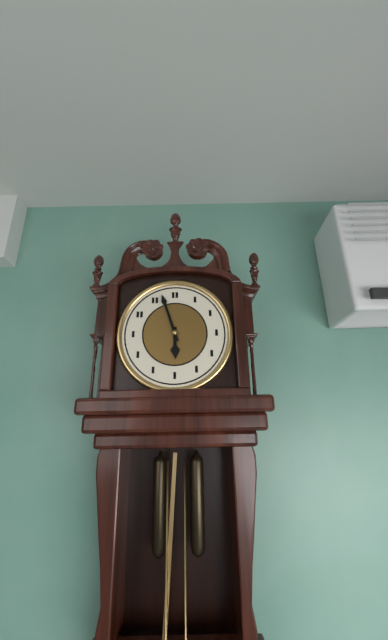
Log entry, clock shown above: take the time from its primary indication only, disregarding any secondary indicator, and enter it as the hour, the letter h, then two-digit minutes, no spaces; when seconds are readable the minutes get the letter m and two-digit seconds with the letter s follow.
5h57
